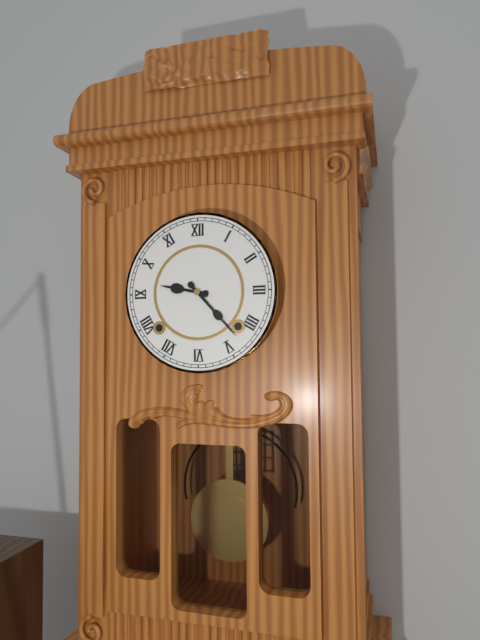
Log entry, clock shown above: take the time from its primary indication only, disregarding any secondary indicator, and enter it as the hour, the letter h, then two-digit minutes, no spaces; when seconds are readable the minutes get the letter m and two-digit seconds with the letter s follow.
9h23
